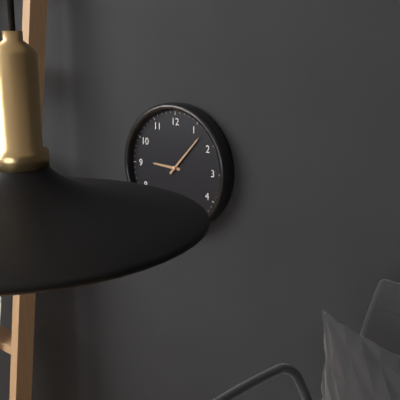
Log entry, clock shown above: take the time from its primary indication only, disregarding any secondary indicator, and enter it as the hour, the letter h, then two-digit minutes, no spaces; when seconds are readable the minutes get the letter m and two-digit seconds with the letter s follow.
9h07
